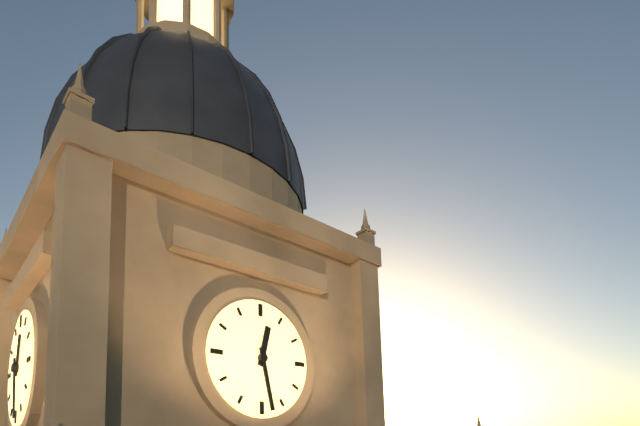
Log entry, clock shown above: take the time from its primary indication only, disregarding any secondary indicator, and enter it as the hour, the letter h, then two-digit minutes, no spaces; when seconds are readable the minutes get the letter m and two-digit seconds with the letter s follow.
12h28
